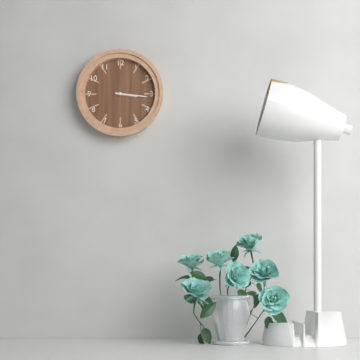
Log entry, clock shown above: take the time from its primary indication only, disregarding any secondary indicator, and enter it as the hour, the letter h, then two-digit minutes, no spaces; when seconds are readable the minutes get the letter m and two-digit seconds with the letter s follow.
3h16
